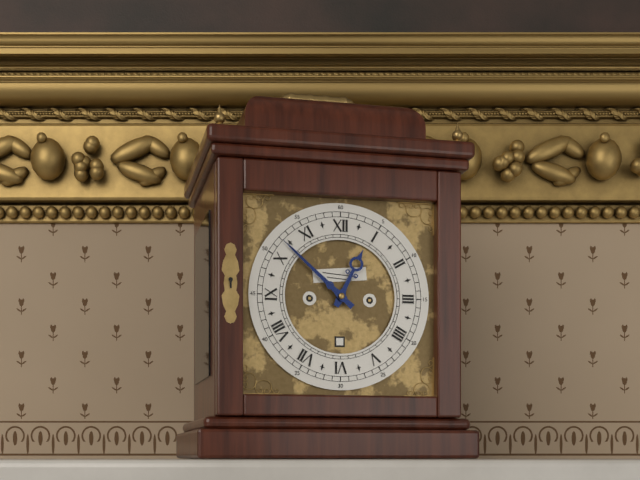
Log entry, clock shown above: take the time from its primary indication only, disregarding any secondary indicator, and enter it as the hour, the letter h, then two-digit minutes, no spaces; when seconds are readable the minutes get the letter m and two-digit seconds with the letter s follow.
12h52
